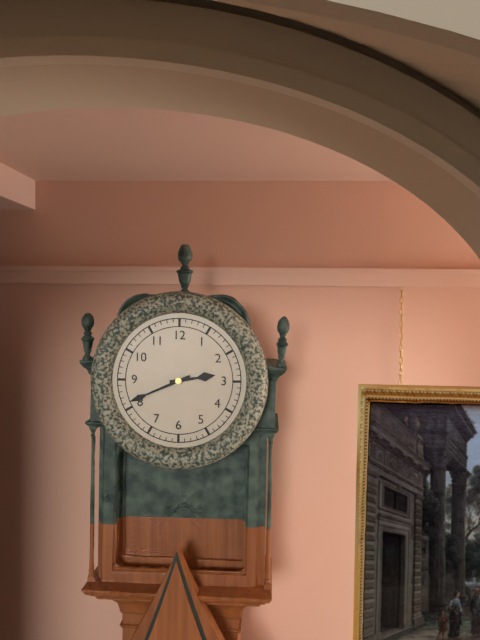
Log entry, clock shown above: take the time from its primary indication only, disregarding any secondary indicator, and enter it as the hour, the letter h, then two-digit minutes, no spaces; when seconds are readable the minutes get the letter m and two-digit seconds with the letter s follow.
2h41
